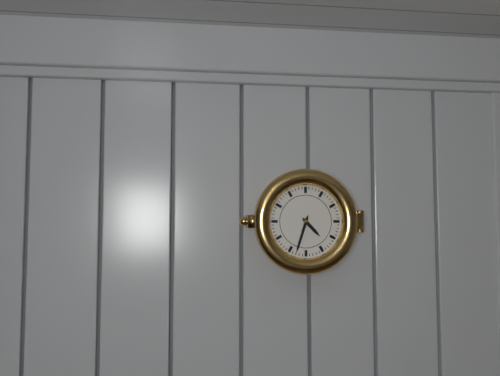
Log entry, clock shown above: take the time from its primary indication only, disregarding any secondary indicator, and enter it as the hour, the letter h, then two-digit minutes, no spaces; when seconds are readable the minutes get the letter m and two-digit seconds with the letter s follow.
4h33
